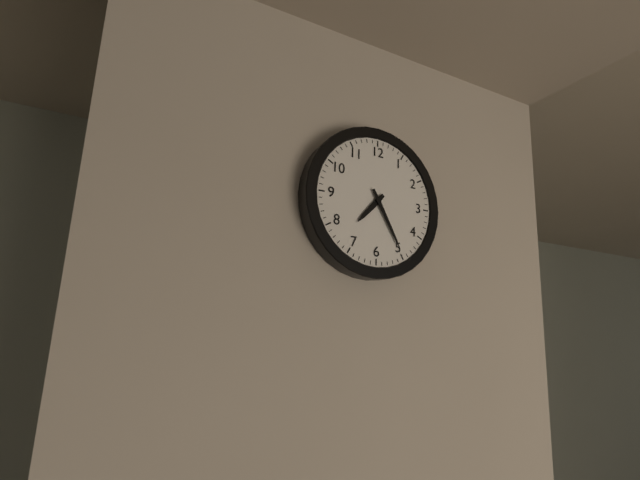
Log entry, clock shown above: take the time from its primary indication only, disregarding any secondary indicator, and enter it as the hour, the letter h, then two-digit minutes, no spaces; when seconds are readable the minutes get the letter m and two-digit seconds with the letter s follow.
7h25
